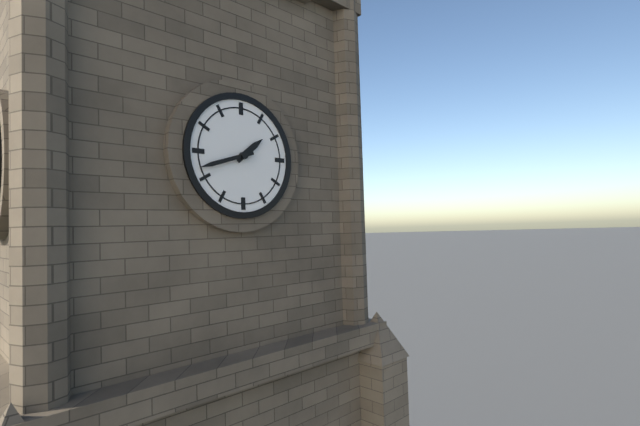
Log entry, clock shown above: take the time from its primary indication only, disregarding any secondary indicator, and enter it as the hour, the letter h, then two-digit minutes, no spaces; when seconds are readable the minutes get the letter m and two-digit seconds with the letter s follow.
1h42
